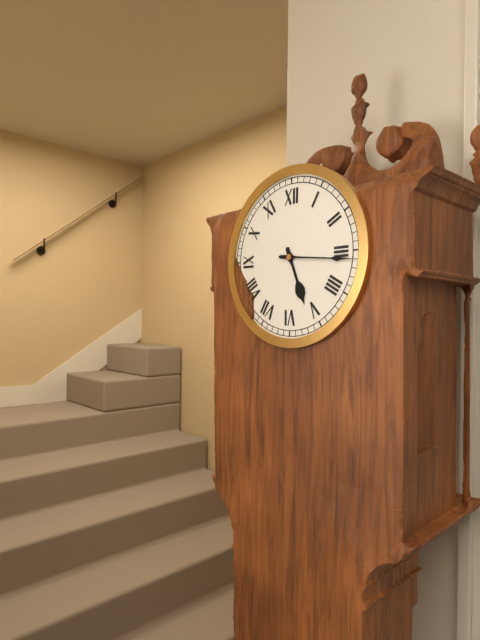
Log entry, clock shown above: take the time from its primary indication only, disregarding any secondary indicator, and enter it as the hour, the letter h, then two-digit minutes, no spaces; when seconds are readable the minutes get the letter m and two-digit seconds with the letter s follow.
5h16
